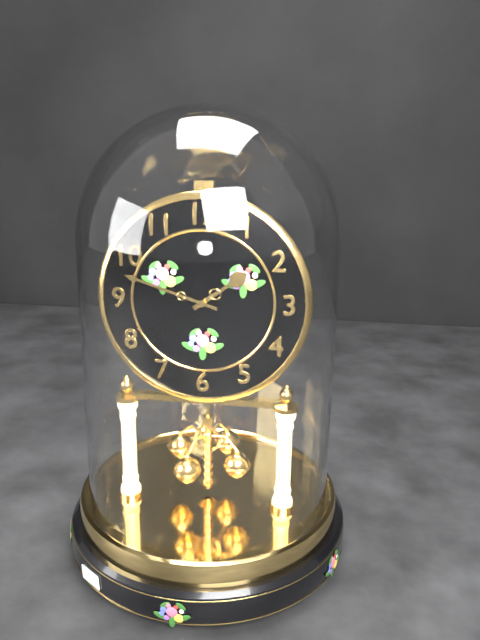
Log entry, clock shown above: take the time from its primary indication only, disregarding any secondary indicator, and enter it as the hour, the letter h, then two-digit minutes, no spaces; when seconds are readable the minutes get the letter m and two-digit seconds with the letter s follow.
1h48
